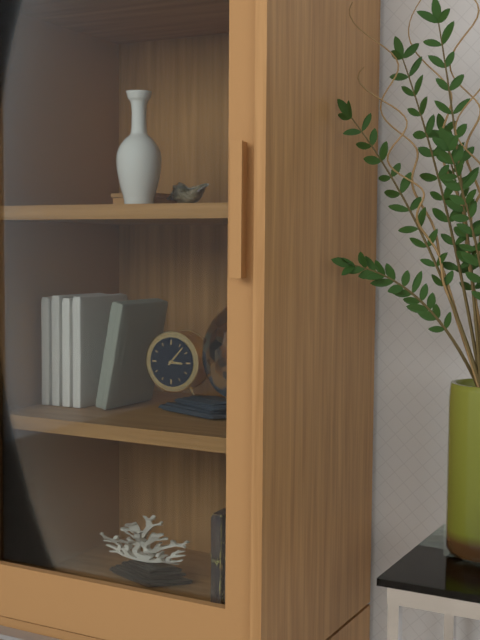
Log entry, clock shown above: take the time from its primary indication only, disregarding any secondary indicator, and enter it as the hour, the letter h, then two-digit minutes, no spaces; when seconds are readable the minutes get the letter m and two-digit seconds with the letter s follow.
3h07
